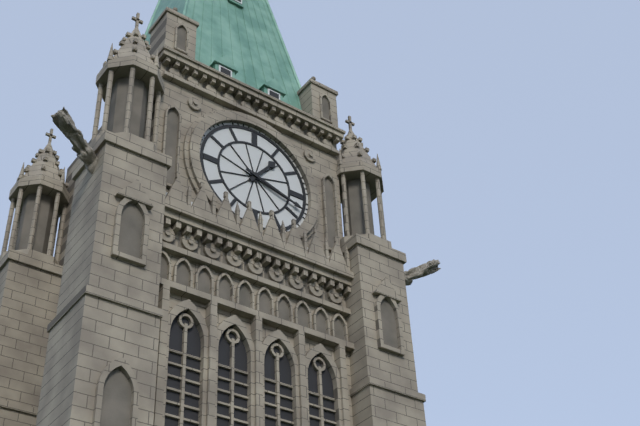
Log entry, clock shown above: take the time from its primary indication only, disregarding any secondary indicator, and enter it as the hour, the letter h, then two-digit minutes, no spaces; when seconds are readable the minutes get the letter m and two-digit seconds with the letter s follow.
1h18
